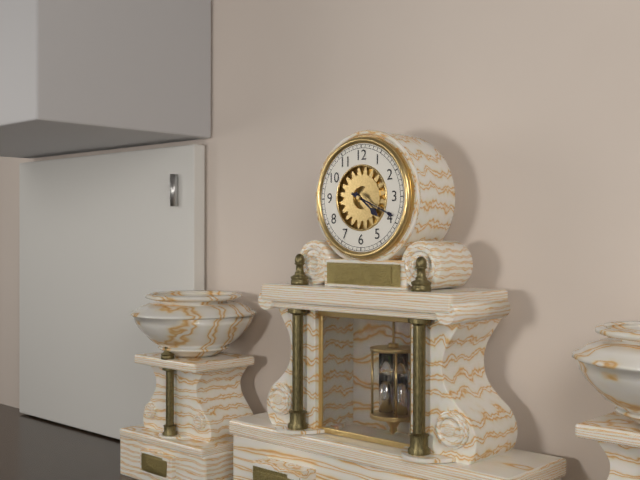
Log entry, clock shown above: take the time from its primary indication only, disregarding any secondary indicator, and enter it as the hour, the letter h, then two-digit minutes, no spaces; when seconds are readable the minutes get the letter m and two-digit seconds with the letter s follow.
4h19
